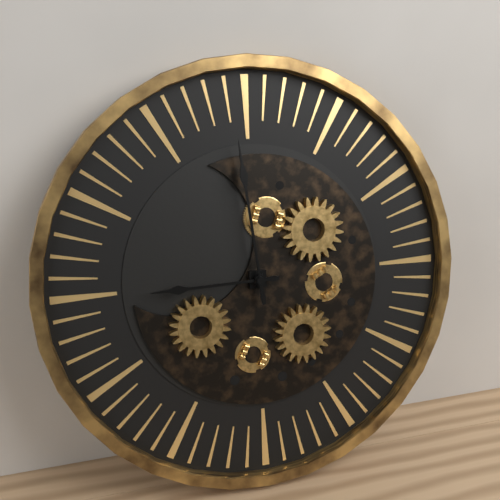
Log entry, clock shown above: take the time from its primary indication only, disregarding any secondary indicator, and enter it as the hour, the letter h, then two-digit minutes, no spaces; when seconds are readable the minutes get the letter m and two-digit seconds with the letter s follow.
8h59
